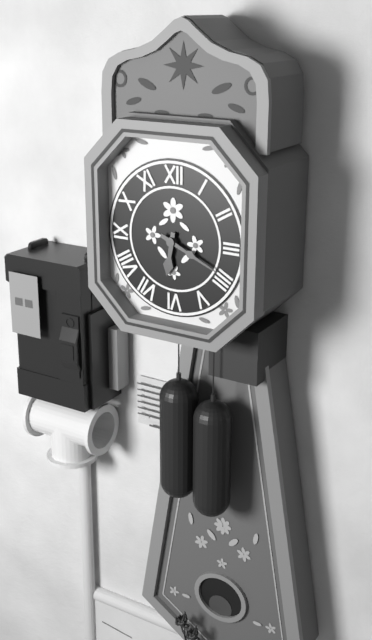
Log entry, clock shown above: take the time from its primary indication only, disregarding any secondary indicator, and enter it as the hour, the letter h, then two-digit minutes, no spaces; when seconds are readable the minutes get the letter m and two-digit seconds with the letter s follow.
6h19
